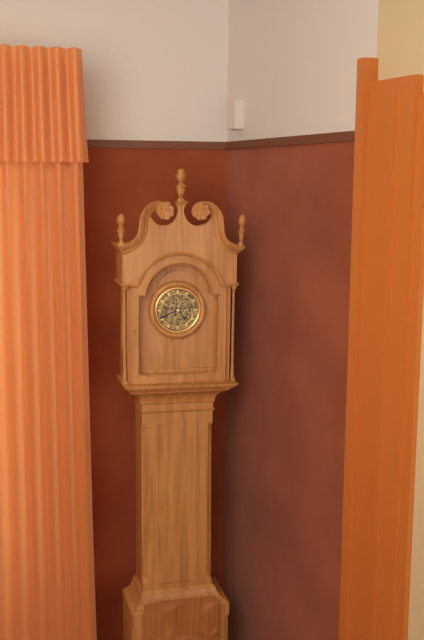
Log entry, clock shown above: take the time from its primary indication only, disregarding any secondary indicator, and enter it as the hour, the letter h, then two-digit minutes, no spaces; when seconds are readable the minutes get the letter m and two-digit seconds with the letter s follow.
4h41
